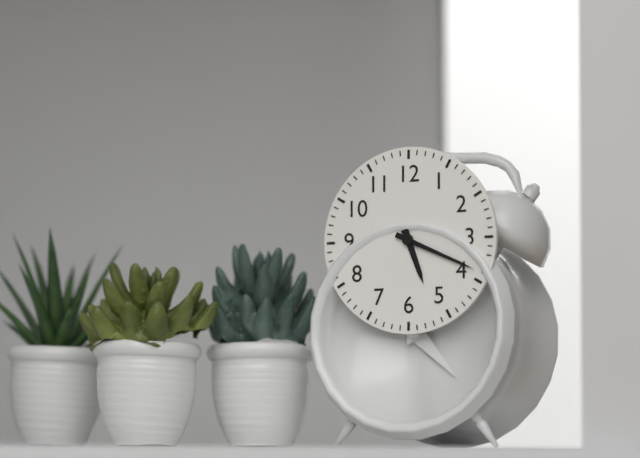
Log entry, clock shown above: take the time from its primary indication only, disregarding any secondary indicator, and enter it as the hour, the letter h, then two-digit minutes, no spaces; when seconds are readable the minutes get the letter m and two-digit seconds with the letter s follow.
5h19
